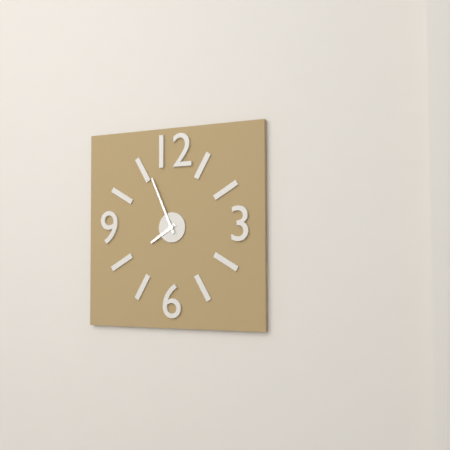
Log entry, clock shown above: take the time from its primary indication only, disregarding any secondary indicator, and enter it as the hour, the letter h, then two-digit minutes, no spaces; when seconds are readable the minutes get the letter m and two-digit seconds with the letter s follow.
7h56
